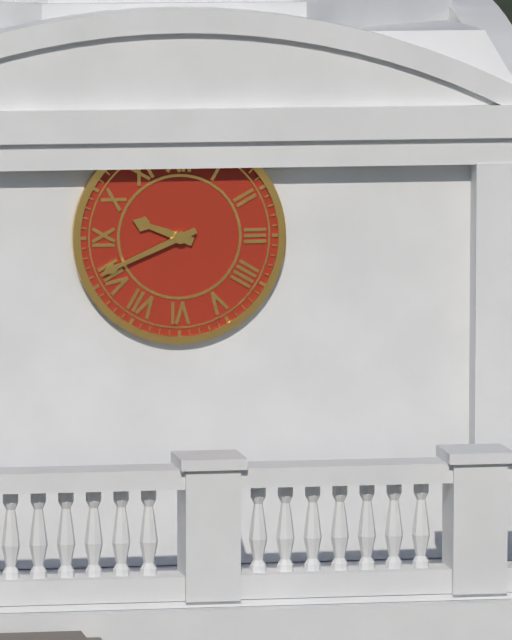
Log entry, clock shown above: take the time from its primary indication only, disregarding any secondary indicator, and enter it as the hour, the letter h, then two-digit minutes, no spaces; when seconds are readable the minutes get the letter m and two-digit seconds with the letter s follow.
9h41
